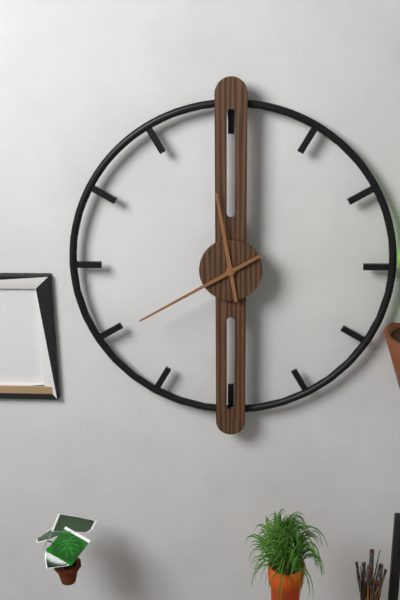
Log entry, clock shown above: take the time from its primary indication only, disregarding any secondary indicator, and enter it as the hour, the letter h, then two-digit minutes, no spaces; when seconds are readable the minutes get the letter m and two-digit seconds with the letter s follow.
11h40
